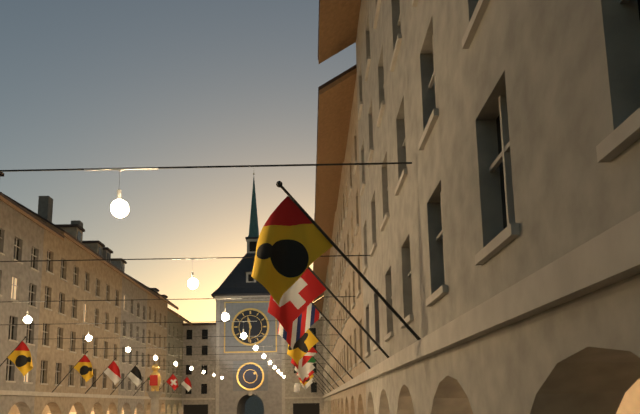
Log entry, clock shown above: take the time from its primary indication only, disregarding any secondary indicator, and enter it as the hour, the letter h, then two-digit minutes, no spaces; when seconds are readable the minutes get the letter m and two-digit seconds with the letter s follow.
11h31
